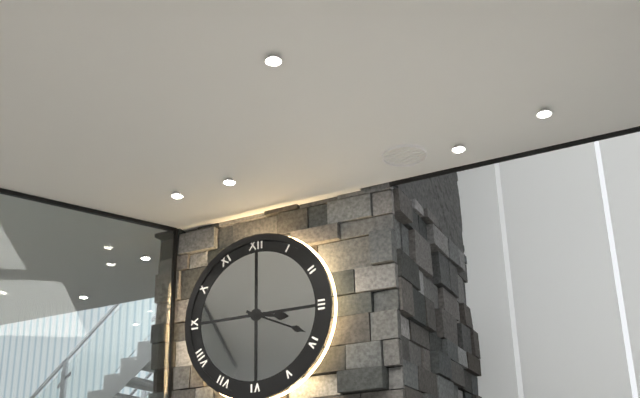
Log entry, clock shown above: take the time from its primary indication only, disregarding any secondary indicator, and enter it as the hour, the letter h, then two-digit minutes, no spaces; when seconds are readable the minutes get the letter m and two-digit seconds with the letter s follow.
3h19
